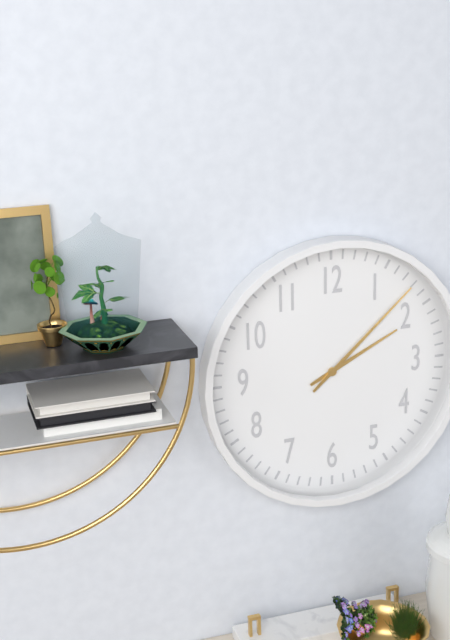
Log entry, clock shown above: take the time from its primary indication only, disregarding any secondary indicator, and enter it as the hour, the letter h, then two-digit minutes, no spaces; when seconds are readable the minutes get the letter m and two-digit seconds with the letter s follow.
2h08
